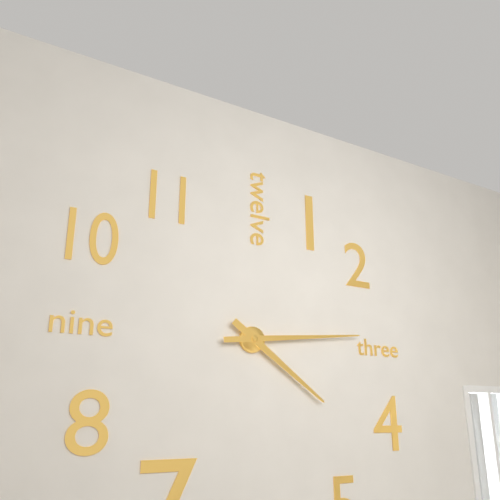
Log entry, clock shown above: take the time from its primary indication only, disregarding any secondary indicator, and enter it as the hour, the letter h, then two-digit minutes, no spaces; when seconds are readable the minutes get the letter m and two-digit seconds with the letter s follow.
4h14
